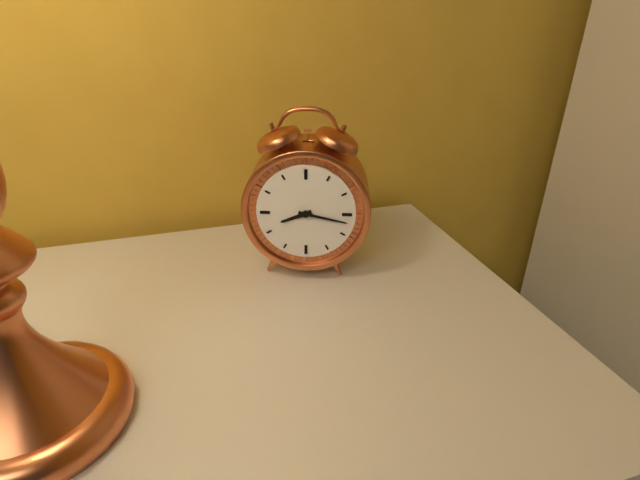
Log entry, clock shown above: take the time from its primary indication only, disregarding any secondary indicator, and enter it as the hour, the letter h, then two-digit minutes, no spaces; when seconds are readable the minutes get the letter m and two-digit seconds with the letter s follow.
8h17
